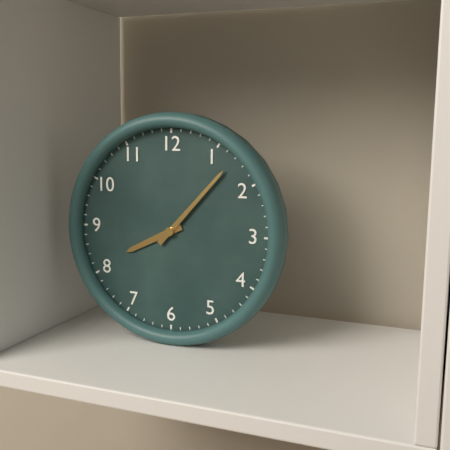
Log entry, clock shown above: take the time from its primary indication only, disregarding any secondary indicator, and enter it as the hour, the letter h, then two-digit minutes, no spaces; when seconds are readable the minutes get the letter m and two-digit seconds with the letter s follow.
8h07
